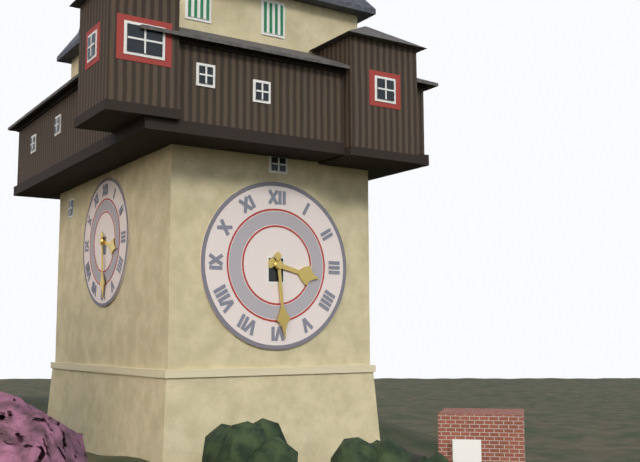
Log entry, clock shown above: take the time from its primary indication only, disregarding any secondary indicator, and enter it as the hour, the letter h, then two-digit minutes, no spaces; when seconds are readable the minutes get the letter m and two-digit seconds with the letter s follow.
3h29
